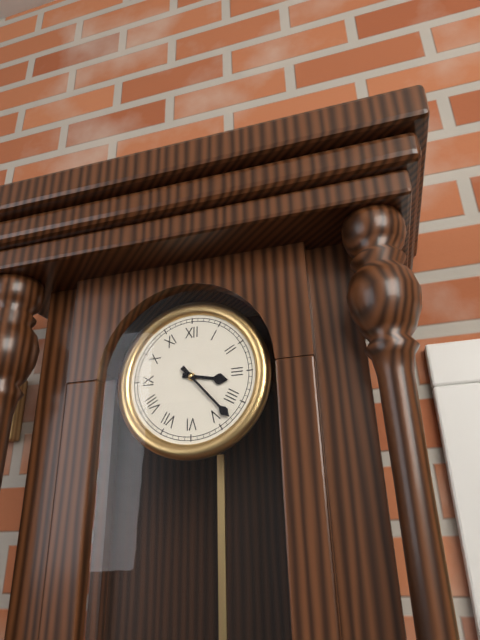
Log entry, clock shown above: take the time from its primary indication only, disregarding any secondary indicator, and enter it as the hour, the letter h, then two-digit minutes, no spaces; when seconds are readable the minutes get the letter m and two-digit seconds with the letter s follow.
3h23
